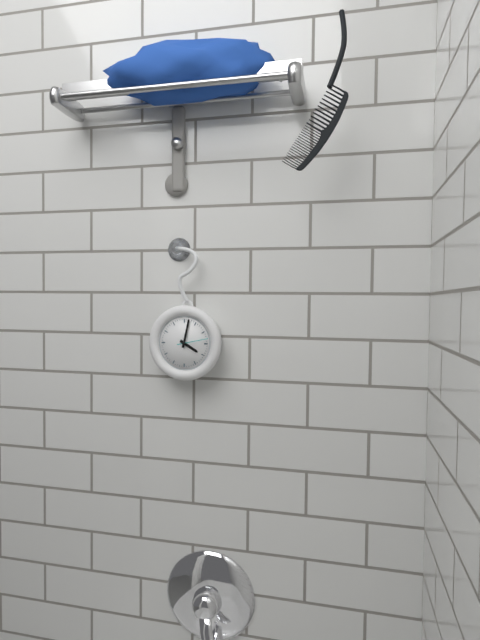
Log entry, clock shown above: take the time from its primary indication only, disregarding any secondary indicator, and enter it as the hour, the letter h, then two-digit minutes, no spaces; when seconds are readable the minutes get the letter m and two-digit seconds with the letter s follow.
4h02
